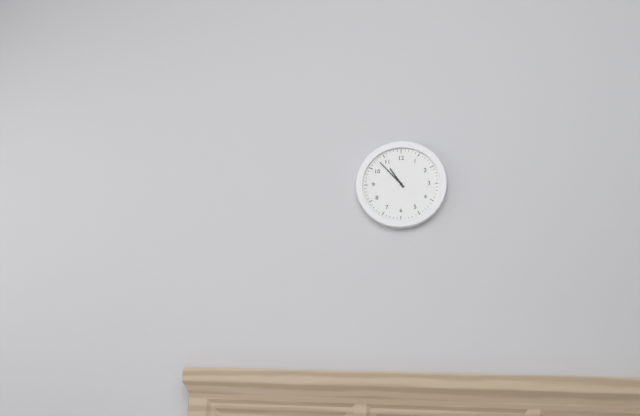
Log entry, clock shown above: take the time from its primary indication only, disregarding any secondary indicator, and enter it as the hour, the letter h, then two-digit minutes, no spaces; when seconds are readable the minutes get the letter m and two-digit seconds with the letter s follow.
10h53
